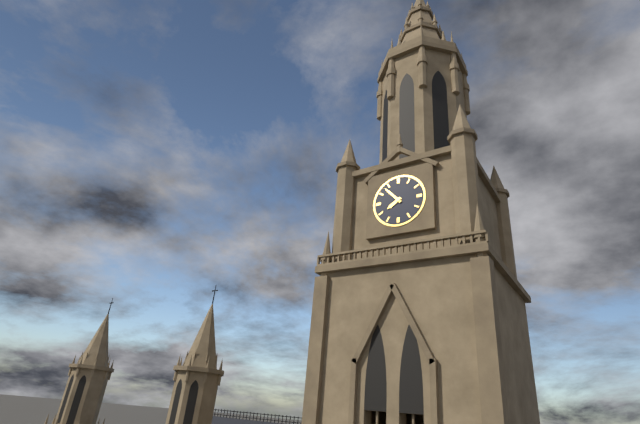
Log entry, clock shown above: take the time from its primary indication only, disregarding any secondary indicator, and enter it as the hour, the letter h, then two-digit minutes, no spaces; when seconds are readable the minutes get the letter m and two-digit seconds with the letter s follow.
7h53
